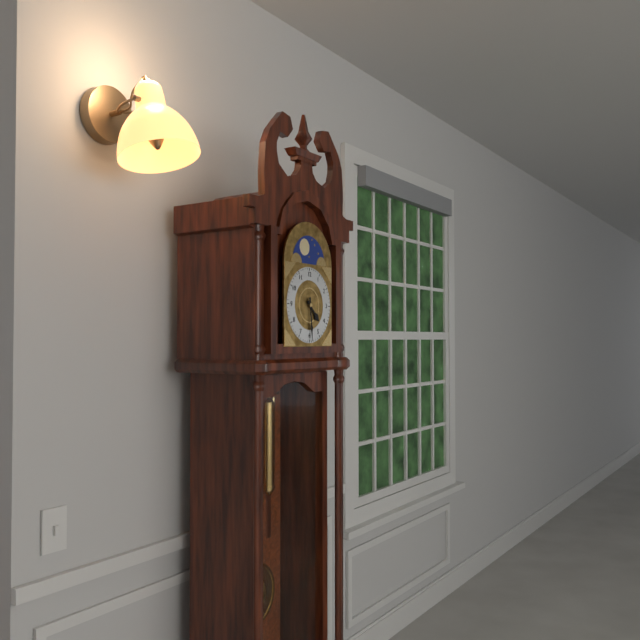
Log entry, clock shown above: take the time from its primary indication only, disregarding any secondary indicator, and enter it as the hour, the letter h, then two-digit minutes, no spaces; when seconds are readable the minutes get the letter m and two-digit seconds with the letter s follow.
4h29
